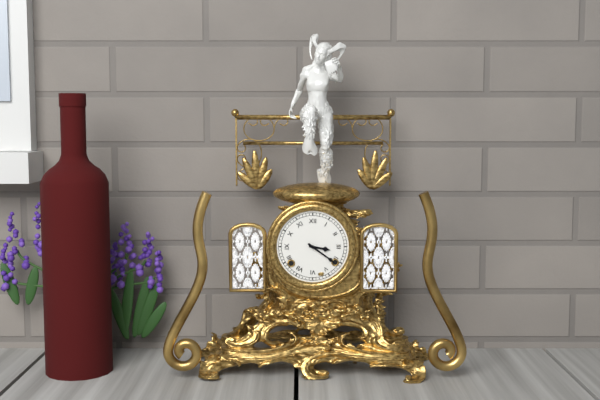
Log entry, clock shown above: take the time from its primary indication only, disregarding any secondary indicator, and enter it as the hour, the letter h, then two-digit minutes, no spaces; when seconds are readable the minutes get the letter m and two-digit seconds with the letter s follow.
3h21
